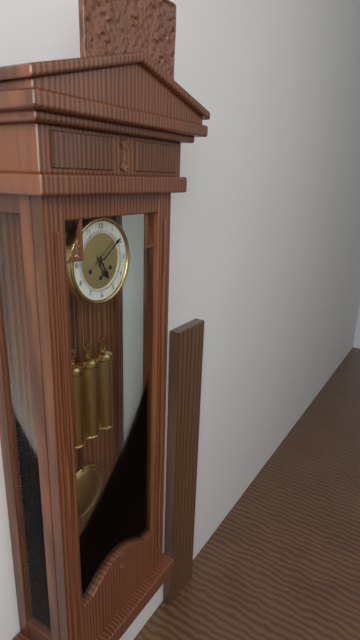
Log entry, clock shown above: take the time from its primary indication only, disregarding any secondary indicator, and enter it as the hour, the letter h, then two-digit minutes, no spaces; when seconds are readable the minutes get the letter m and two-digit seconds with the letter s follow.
5h09
